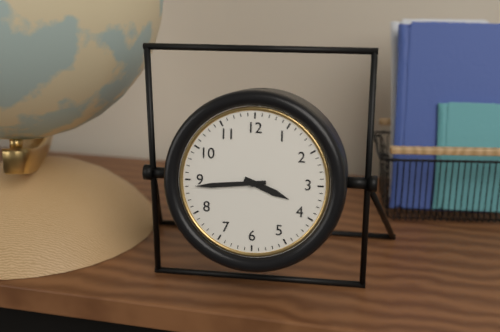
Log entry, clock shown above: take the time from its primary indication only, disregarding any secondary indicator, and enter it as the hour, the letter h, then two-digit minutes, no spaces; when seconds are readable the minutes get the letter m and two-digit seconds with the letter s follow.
3h44
